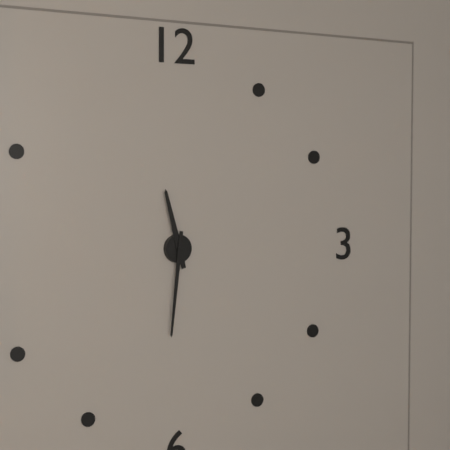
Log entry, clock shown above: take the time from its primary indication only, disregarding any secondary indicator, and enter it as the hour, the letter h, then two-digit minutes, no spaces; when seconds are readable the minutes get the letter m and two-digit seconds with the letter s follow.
11h31
